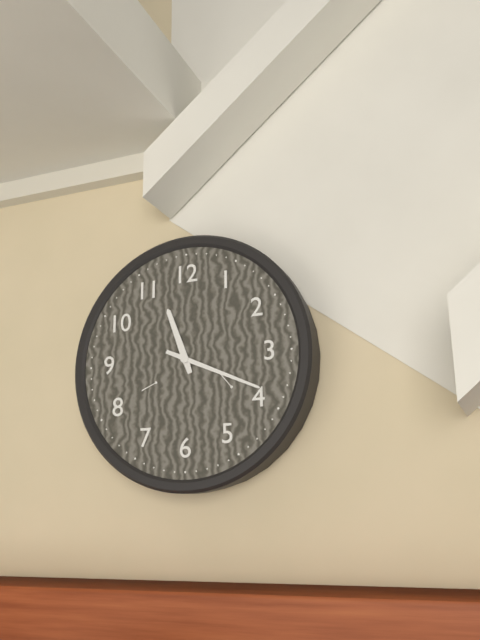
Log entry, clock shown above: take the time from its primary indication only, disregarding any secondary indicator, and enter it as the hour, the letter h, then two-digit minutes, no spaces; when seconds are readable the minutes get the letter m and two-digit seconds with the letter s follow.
11h19
